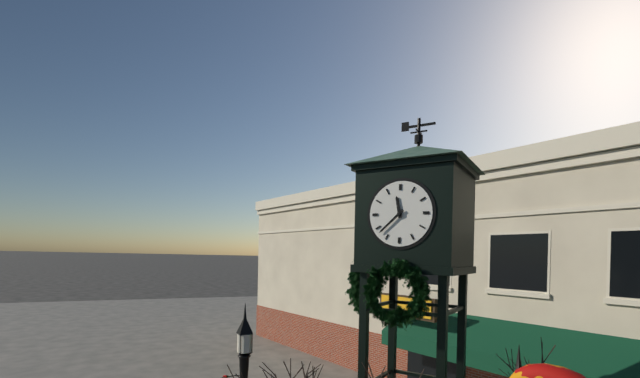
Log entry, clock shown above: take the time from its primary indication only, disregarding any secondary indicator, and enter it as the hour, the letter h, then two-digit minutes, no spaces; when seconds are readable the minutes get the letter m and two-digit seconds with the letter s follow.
11h38
